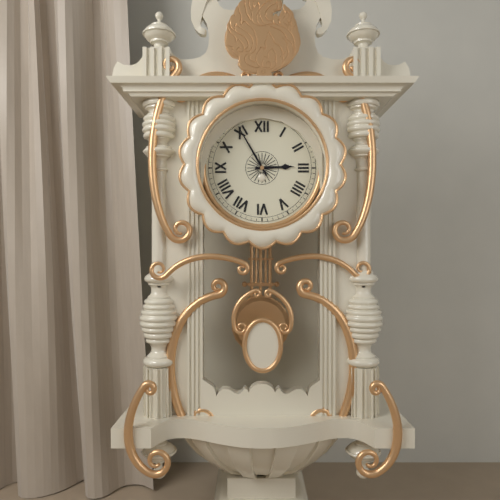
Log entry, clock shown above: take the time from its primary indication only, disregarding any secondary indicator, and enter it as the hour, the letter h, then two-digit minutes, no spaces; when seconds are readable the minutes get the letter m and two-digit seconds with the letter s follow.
2h55
